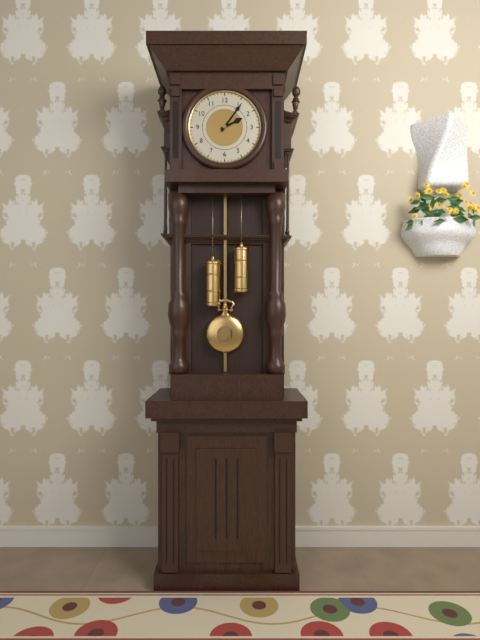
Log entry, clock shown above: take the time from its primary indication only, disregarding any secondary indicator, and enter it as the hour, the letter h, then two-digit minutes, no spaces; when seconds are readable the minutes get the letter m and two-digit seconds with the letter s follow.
2h06
